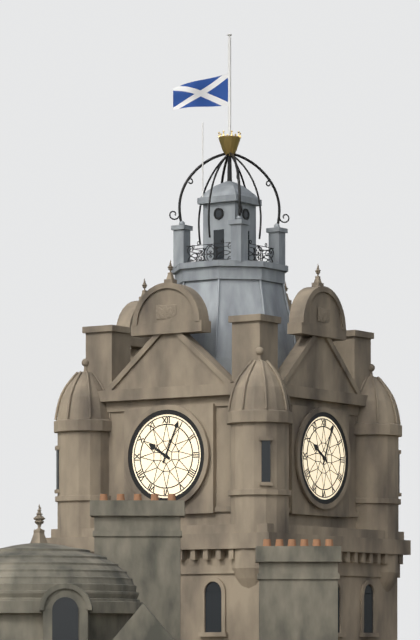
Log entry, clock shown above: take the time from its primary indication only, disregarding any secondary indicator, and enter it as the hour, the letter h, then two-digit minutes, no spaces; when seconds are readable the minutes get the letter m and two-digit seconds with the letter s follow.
10h04
